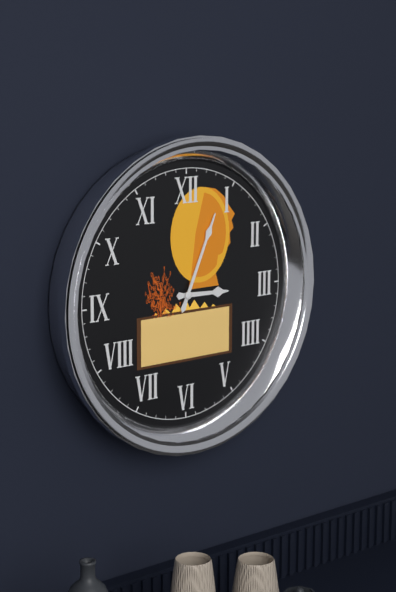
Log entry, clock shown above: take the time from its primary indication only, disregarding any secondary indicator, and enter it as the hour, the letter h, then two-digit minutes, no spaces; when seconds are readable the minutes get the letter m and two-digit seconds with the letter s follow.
3h04
